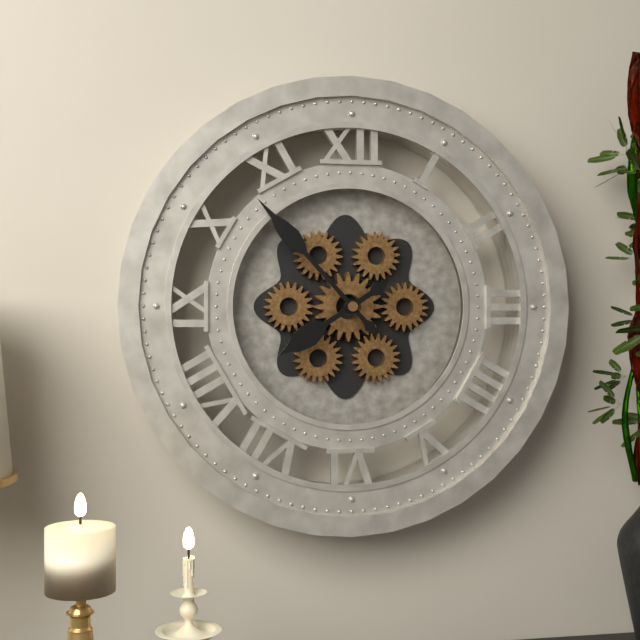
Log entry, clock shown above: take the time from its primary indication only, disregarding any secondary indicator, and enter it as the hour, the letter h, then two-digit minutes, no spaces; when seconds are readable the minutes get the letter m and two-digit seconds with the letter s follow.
7h53
